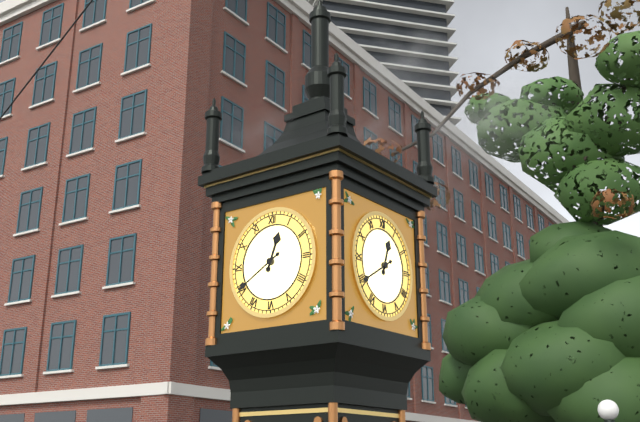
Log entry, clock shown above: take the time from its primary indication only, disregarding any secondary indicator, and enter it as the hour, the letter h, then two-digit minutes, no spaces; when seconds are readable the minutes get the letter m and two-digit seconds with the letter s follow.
12h40
